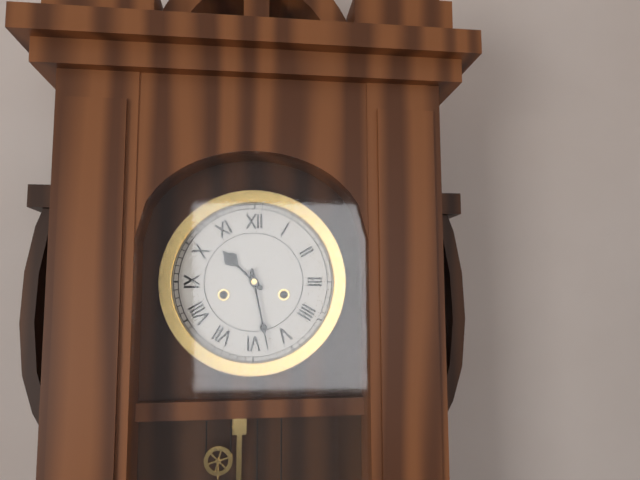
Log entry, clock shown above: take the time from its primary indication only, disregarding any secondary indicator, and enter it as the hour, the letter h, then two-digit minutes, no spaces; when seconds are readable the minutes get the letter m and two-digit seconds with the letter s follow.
10h28
